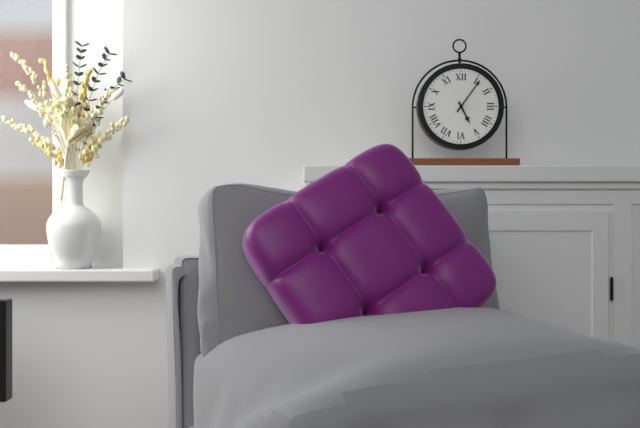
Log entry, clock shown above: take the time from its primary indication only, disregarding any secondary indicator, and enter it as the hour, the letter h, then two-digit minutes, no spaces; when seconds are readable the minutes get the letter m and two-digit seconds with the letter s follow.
5h06
